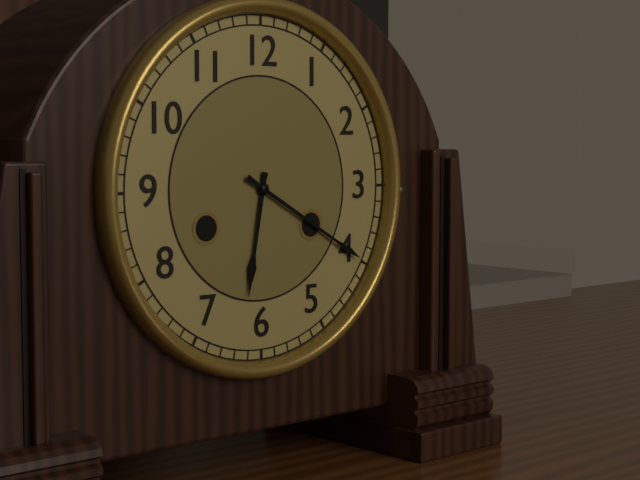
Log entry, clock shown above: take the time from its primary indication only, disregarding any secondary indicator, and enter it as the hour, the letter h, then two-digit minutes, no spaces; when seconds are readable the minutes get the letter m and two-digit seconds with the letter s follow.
6h20
